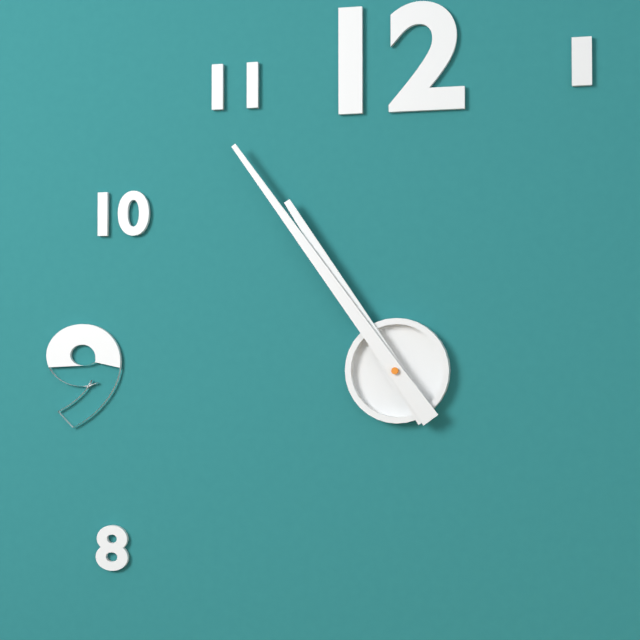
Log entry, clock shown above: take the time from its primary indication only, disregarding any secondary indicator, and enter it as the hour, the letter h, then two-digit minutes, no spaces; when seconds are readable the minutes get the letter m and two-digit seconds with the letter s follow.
10h54
